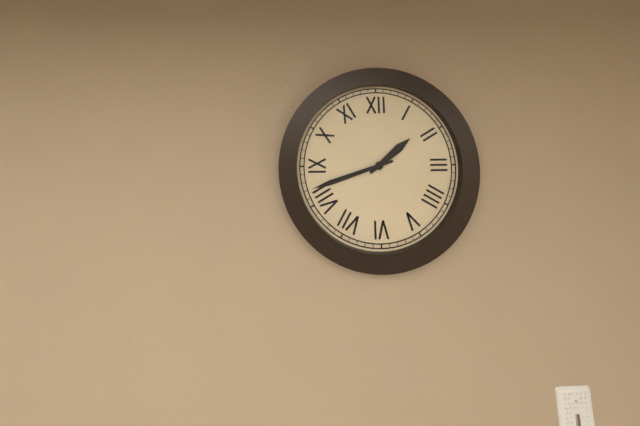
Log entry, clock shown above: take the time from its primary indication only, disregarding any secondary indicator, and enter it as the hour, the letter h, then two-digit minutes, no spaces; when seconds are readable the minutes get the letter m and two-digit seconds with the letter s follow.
1h42
